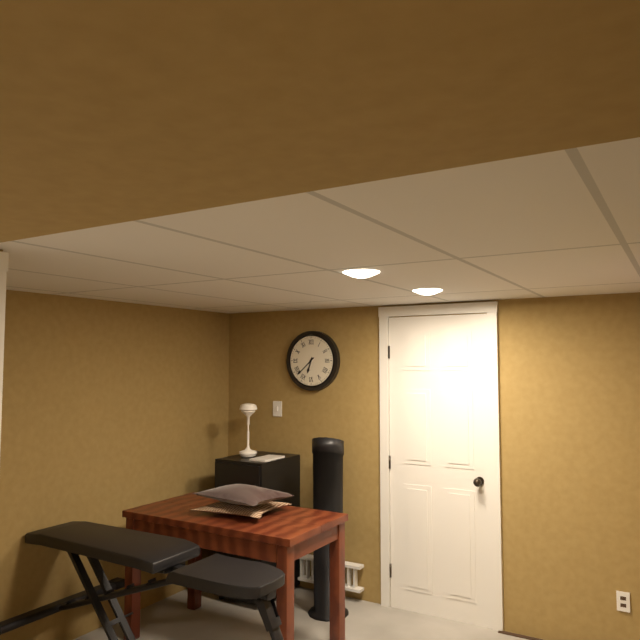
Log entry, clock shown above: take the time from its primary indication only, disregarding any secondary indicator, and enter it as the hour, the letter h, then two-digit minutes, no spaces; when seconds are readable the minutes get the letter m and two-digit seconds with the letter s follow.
6h38
